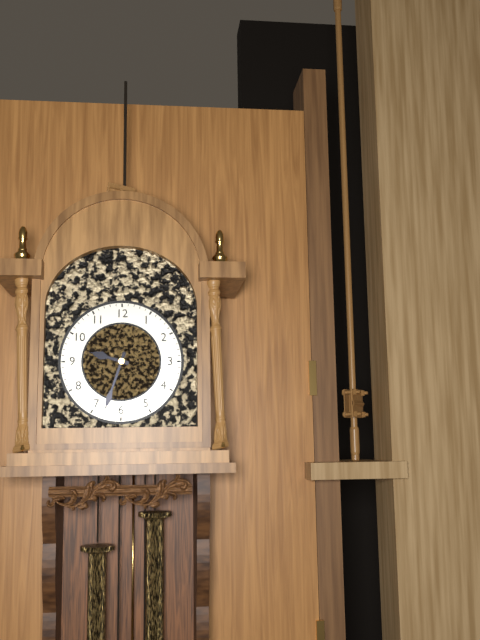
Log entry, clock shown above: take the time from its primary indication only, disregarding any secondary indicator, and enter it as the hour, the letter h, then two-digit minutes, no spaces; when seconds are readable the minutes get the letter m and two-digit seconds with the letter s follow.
9h33
